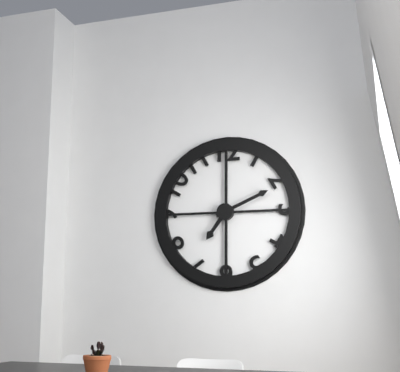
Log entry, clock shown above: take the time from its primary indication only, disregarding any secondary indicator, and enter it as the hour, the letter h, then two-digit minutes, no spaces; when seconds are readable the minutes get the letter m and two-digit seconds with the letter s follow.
7h11
